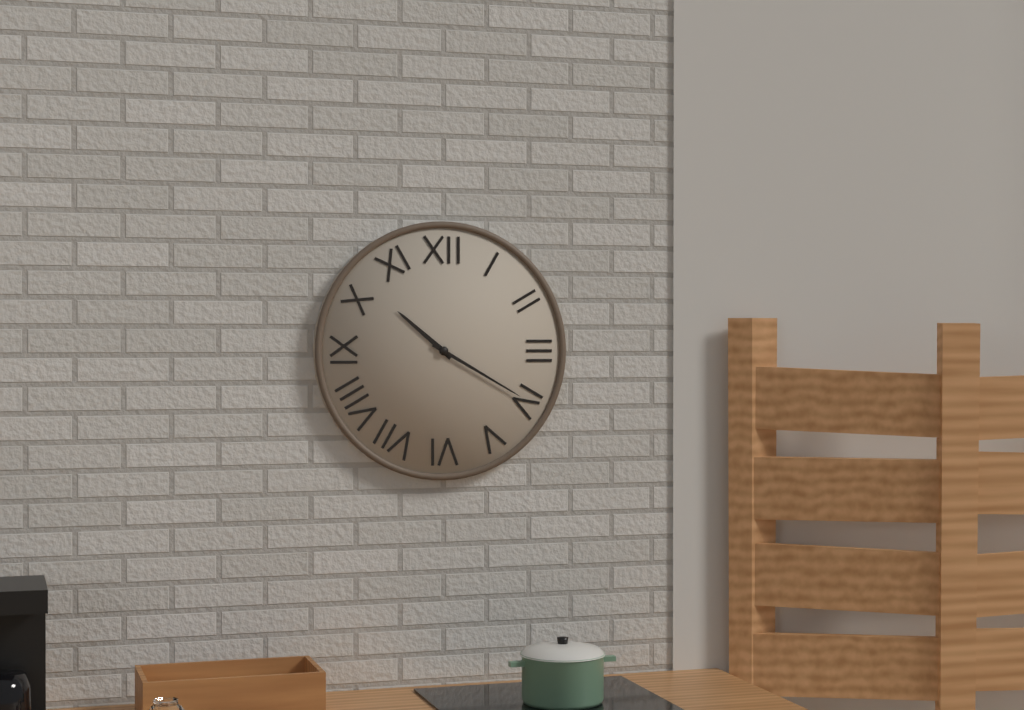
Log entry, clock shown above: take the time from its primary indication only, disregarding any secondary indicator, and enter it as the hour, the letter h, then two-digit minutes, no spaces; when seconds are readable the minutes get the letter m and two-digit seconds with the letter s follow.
10h20
